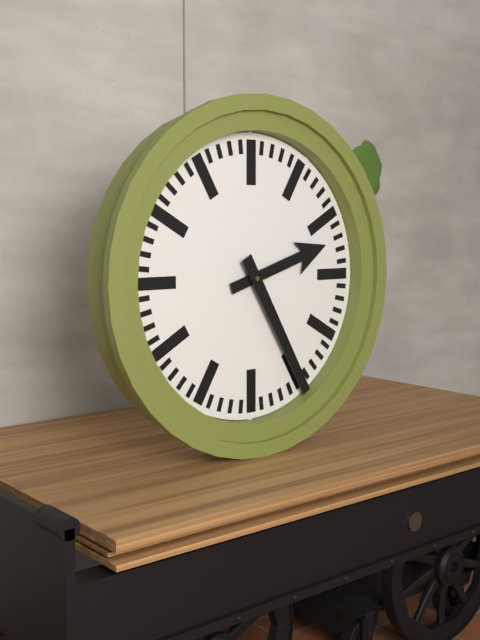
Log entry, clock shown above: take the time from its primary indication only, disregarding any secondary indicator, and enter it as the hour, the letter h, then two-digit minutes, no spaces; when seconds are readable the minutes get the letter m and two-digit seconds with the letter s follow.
2h25
